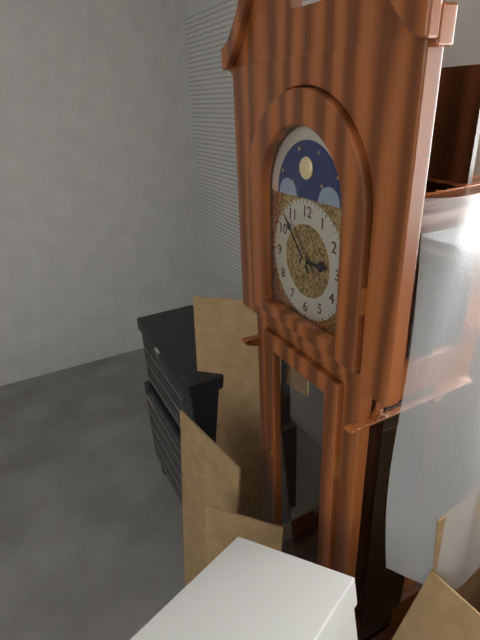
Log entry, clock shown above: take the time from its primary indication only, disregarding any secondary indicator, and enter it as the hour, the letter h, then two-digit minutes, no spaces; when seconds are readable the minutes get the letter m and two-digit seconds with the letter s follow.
2h53
